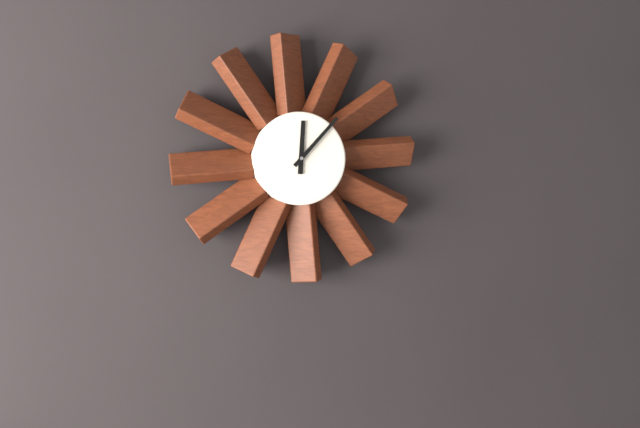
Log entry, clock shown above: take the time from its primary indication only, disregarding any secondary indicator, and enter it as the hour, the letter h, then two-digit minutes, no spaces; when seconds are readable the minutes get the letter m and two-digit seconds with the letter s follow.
12h07
